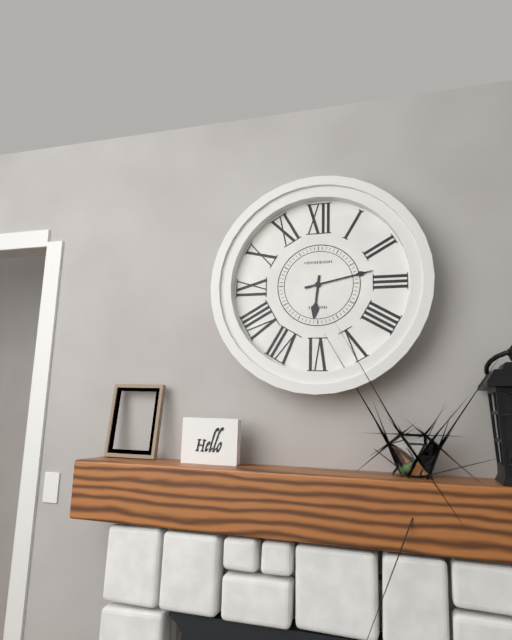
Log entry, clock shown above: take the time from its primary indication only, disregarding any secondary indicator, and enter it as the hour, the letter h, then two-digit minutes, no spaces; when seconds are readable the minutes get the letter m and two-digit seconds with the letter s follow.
6h13
